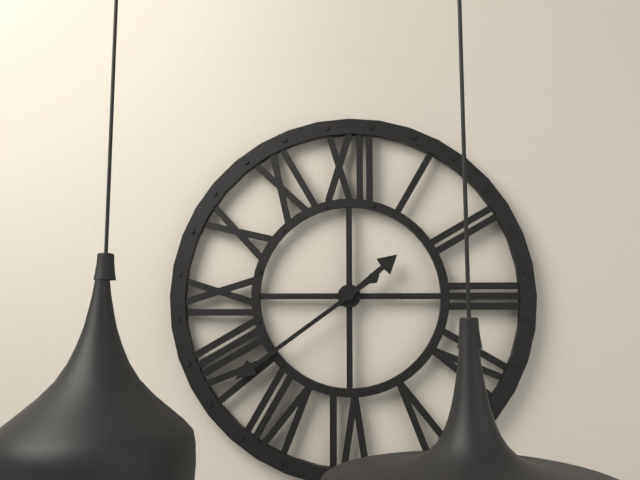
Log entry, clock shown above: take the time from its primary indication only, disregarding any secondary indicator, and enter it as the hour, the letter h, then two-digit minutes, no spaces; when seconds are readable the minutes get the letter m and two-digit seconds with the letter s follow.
1h39
